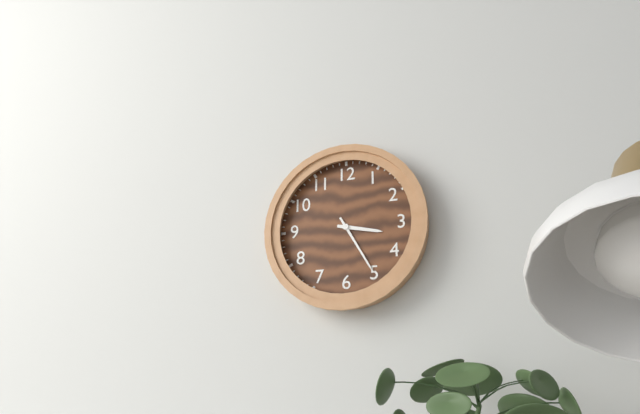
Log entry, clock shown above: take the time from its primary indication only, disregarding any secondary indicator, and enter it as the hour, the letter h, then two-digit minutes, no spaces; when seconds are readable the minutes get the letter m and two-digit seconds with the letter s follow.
3h25
